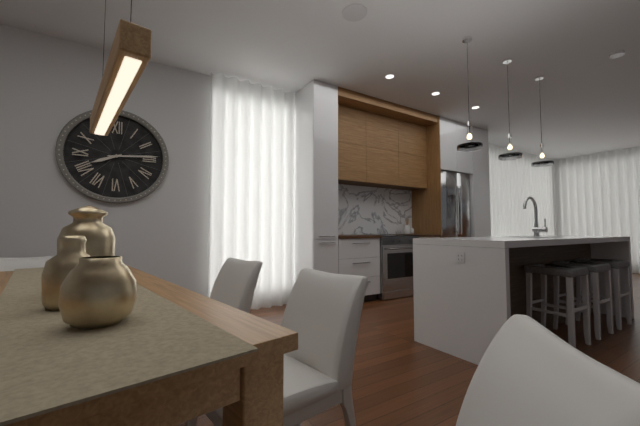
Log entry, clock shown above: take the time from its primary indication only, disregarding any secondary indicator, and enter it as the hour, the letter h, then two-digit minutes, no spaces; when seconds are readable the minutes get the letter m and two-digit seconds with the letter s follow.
8h14
